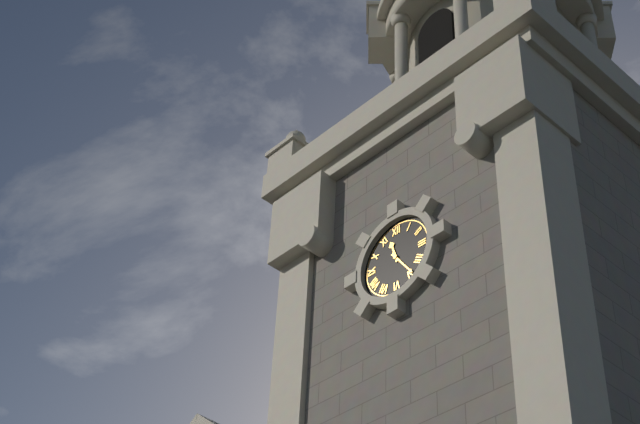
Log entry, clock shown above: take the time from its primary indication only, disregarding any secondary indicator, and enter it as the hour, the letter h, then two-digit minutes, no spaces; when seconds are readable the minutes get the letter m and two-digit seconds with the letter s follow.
11h24
